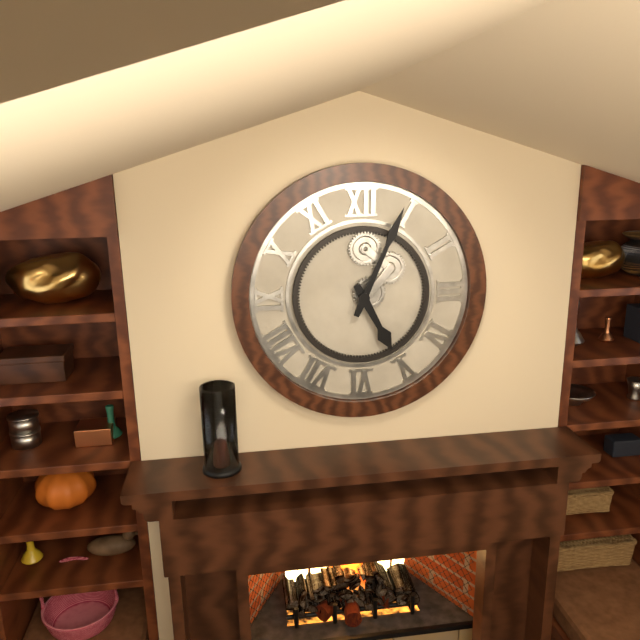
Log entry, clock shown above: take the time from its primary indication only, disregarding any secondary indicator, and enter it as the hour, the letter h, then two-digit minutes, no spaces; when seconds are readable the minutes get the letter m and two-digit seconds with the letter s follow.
5h04
